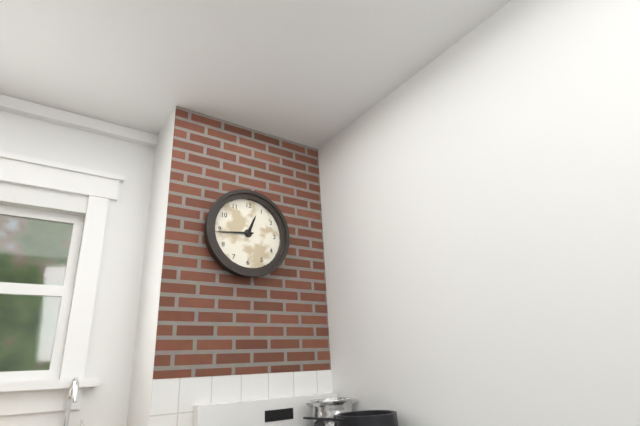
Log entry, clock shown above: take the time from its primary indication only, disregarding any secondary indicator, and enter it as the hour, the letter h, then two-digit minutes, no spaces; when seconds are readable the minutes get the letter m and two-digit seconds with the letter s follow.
12h44
